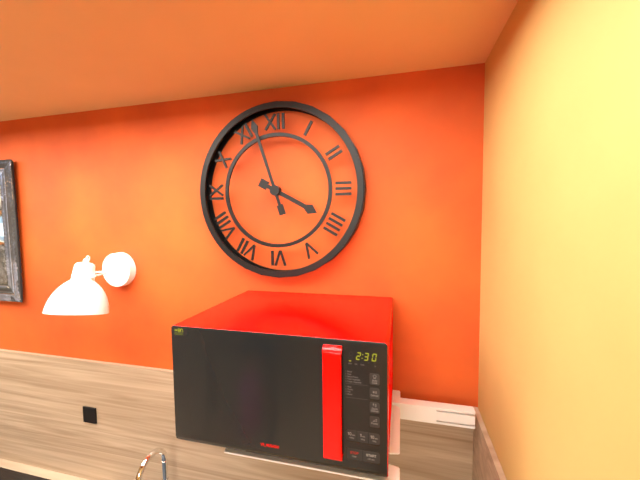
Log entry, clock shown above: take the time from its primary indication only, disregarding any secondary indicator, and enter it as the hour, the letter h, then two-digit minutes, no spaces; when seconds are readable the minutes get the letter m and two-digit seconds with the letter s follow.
3h57
